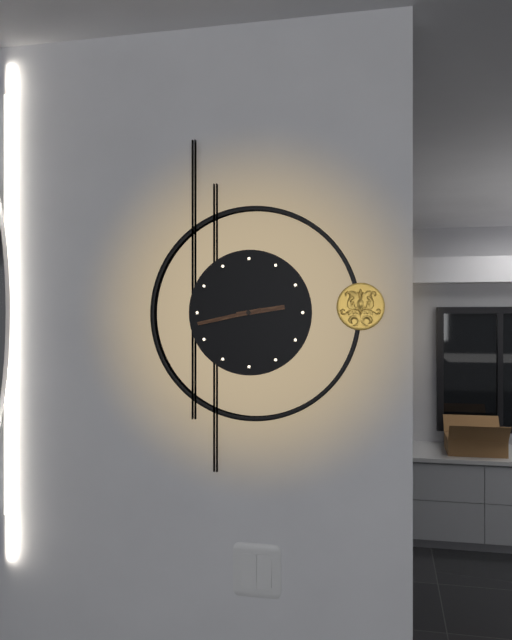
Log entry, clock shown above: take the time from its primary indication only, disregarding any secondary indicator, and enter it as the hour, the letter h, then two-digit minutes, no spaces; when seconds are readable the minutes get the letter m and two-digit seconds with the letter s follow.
2h43
